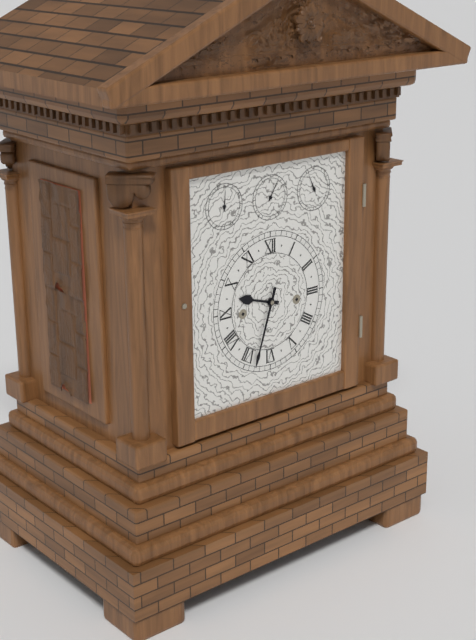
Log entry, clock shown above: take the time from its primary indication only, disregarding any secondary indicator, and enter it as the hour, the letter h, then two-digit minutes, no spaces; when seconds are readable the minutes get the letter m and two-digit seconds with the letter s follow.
9h33
